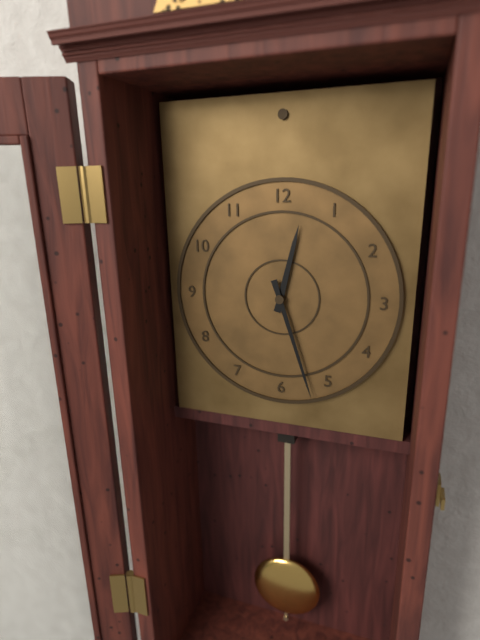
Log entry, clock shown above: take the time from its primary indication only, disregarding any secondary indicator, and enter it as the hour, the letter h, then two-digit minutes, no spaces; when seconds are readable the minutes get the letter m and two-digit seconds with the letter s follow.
12h27
